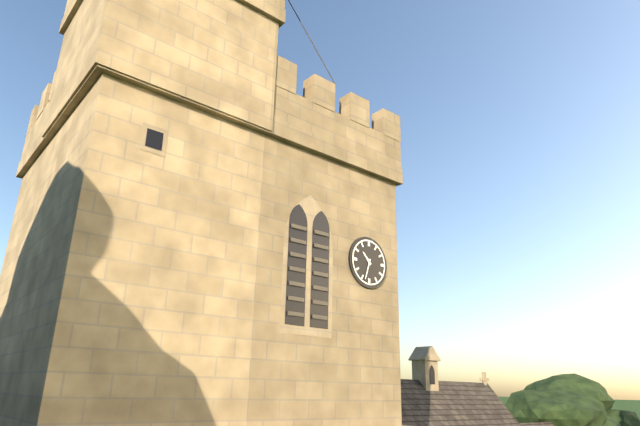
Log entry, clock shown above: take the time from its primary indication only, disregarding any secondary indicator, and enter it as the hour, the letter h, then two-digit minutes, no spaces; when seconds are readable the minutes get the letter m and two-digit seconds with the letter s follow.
10h33
